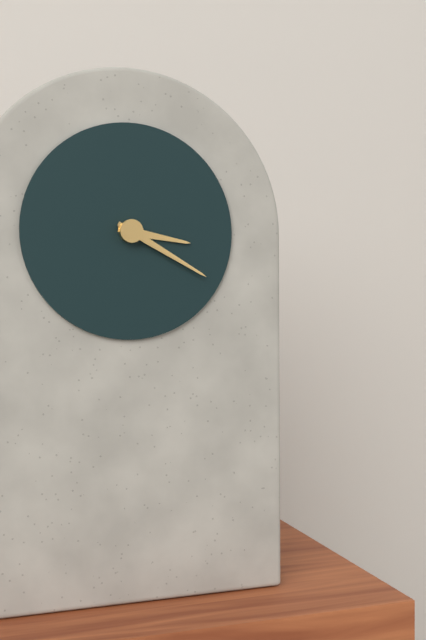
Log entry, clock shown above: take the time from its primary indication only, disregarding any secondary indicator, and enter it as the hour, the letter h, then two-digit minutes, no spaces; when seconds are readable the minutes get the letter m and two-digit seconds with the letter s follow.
3h20
